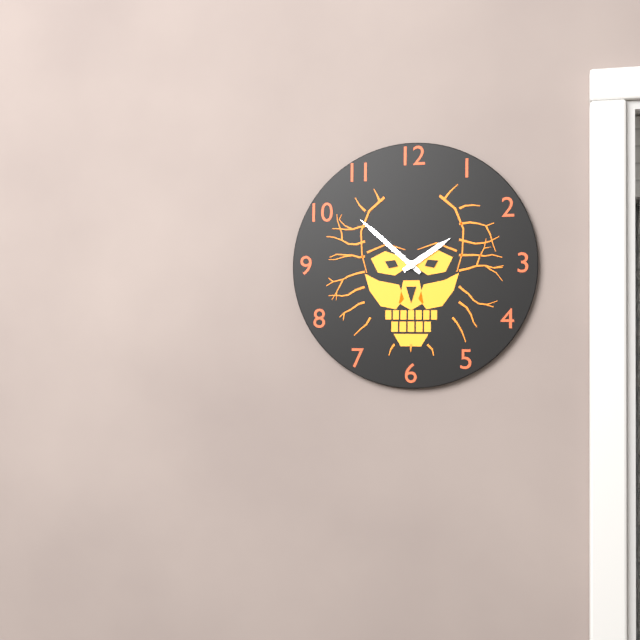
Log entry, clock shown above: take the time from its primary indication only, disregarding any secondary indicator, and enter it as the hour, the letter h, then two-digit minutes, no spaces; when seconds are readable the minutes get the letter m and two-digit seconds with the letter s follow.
1h52
